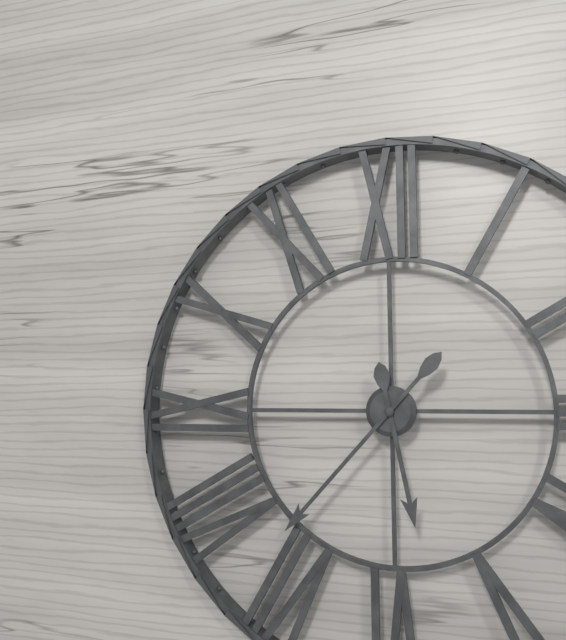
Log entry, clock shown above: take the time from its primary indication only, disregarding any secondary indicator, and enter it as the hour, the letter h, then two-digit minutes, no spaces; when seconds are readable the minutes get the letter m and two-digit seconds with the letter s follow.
5h37
